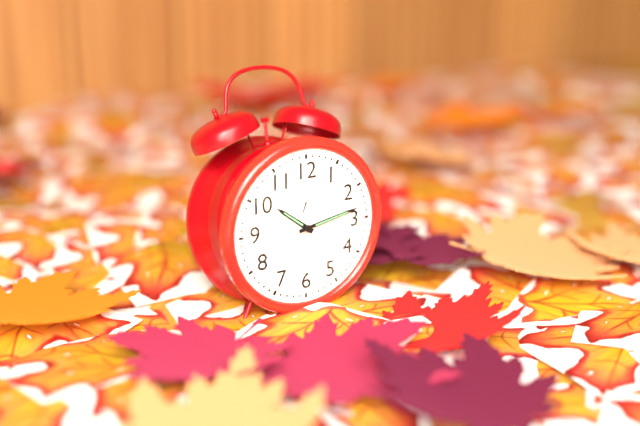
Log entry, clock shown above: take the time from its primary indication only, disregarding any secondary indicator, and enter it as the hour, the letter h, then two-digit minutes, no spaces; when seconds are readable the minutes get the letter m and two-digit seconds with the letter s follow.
10h13
